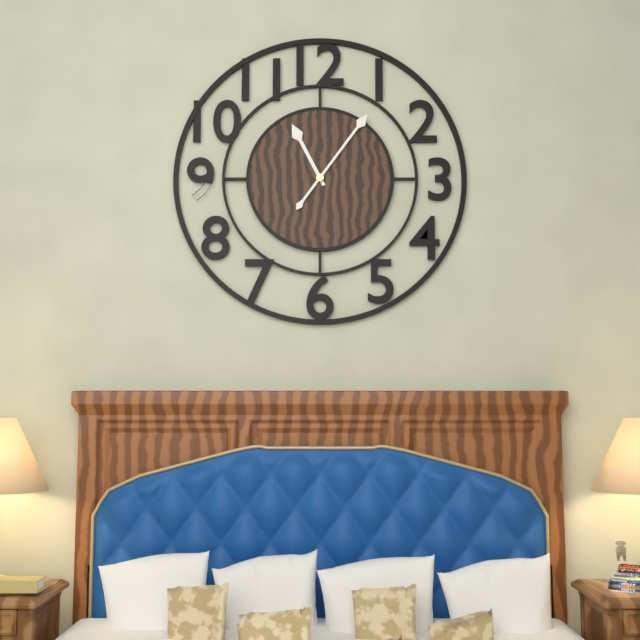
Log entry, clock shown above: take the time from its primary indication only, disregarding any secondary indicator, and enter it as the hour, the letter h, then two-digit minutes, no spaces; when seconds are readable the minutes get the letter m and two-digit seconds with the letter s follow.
11h06
